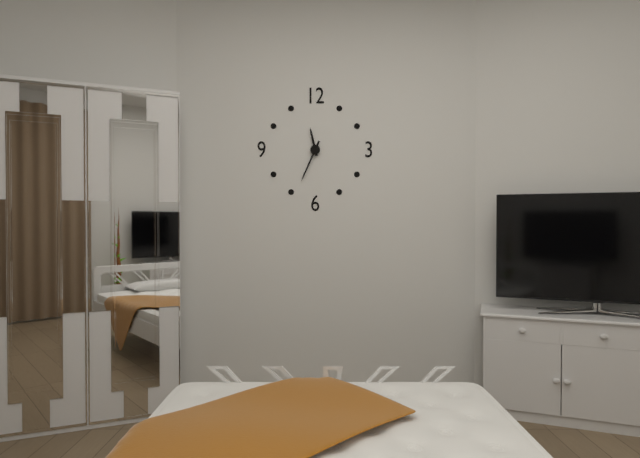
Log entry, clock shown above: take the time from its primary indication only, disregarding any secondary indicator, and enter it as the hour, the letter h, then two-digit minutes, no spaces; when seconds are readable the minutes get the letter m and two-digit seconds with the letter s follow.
11h34
